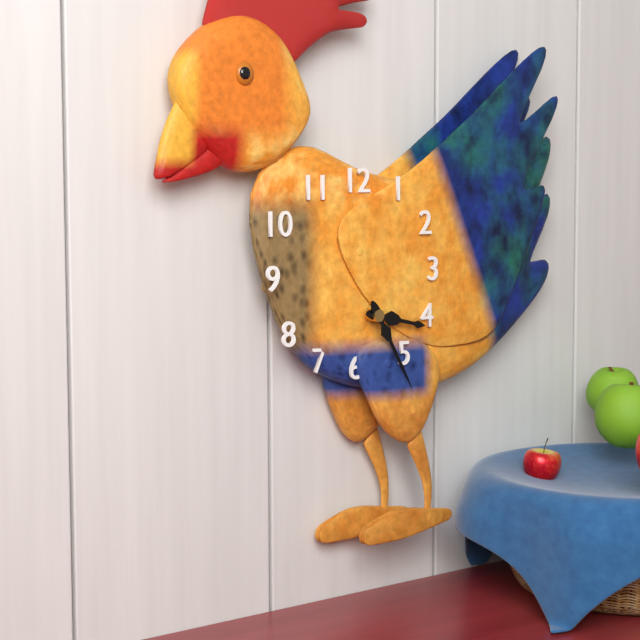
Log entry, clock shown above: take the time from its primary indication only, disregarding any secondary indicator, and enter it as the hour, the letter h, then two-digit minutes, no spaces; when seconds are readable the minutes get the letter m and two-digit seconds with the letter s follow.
3h25
